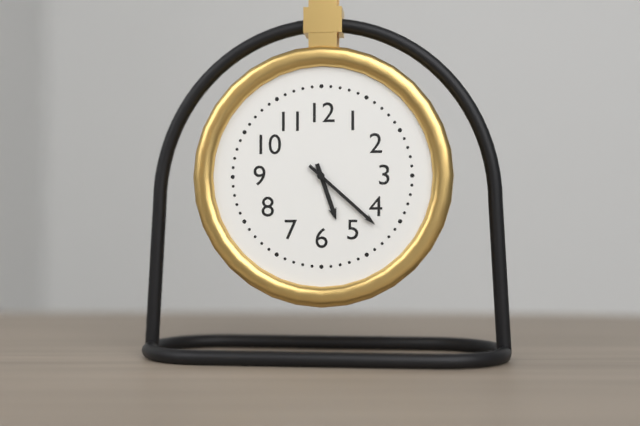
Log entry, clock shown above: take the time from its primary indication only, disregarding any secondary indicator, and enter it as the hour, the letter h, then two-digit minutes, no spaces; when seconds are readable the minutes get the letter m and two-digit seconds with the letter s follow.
5h22
